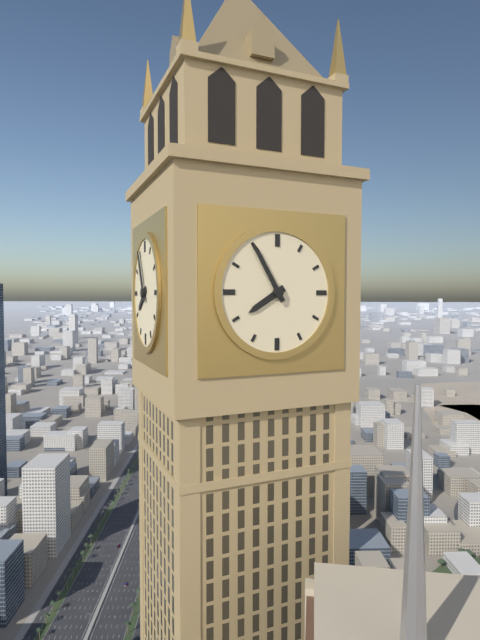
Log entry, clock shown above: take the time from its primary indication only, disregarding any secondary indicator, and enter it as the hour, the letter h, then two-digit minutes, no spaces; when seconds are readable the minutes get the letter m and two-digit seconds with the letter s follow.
7h55
